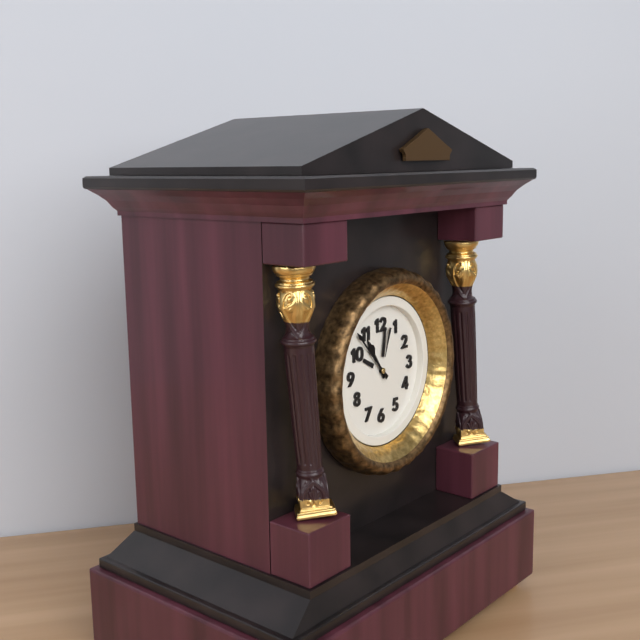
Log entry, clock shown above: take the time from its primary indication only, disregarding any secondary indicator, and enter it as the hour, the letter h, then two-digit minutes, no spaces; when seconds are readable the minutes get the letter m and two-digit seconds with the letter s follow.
10h53
